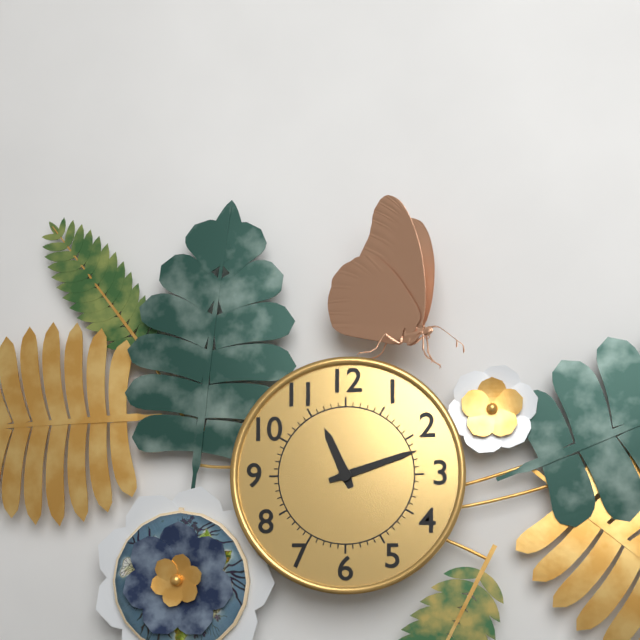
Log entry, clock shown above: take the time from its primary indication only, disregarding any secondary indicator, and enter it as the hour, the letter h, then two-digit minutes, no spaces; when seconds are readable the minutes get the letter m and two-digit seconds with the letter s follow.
11h12
